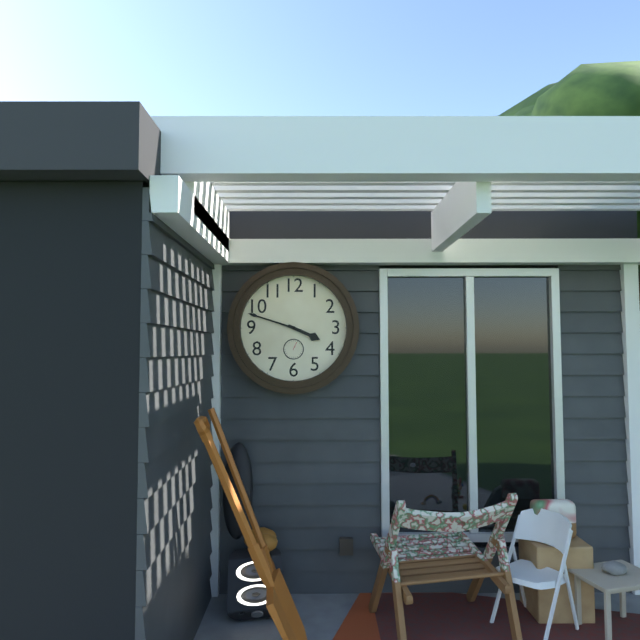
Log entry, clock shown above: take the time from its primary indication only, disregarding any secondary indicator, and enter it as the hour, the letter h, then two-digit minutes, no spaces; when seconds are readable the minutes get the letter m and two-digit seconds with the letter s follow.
3h48
